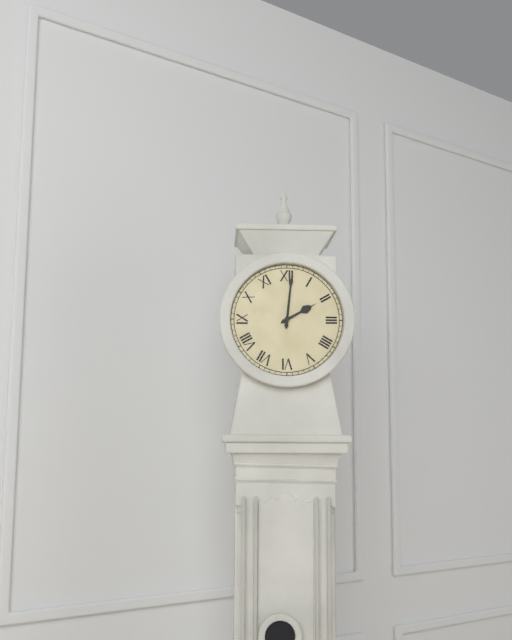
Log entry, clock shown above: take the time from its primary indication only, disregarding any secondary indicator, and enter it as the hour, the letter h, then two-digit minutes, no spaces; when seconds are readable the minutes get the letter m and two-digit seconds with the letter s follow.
2h01
